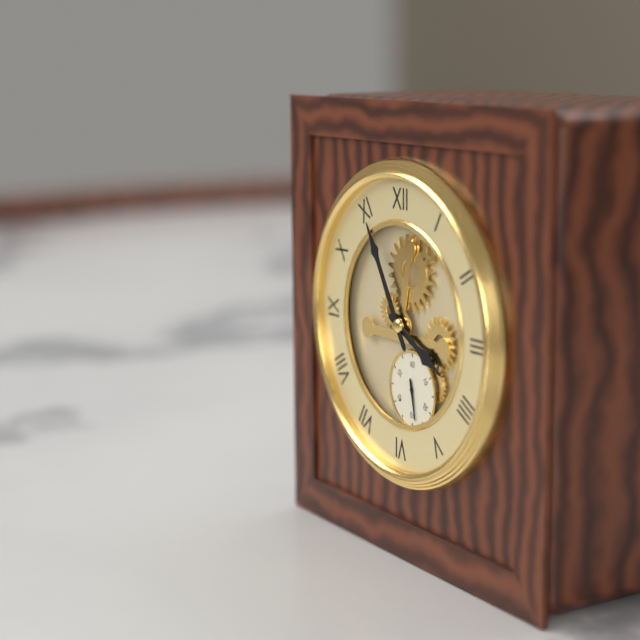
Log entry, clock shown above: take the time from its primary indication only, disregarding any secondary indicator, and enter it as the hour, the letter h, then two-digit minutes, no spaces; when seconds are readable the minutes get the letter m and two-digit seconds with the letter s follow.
3h55
